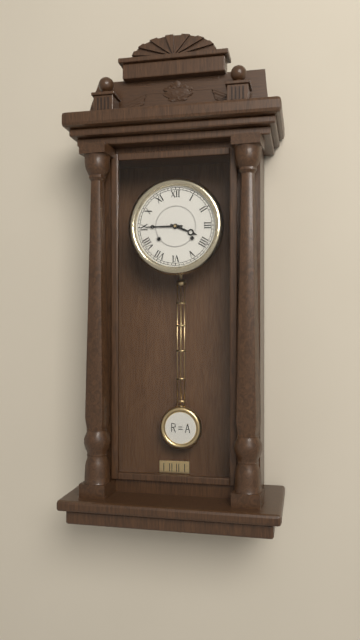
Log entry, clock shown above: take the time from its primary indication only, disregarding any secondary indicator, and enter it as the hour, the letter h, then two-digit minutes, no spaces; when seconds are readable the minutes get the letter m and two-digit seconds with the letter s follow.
3h45
